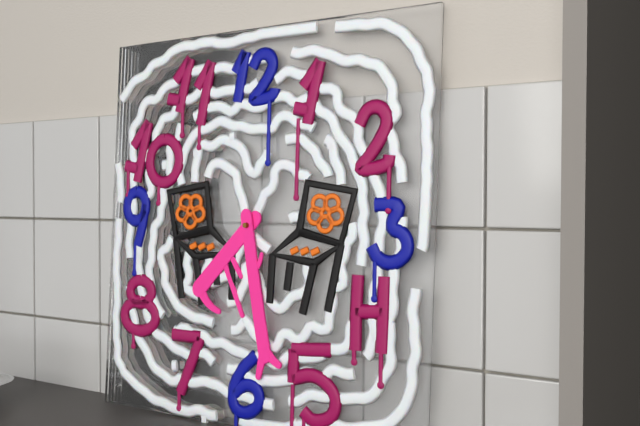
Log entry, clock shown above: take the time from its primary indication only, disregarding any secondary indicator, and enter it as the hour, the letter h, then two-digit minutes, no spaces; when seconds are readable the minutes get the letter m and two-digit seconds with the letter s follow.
7h28
